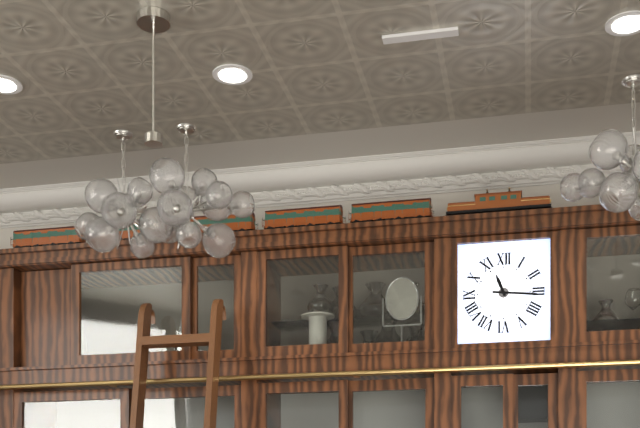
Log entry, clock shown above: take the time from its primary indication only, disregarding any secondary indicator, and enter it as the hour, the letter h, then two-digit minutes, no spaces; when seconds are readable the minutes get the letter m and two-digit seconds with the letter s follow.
11h16
